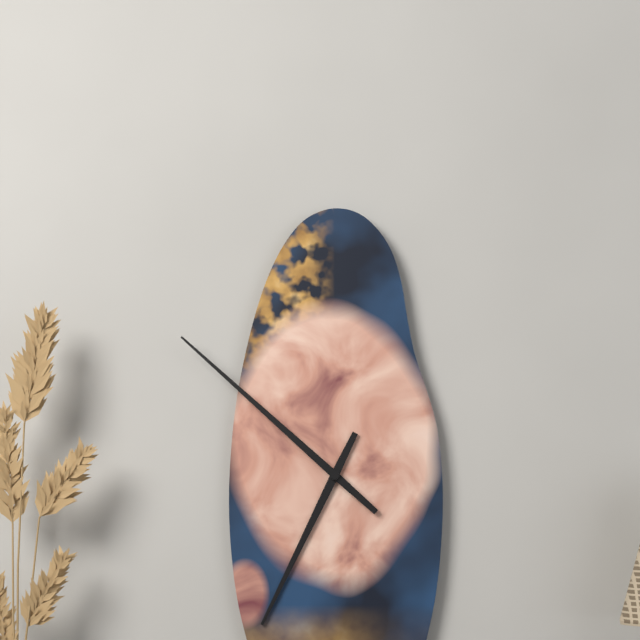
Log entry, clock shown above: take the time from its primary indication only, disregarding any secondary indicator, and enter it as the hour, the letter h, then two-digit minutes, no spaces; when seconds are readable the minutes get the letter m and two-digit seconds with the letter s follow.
6h52
